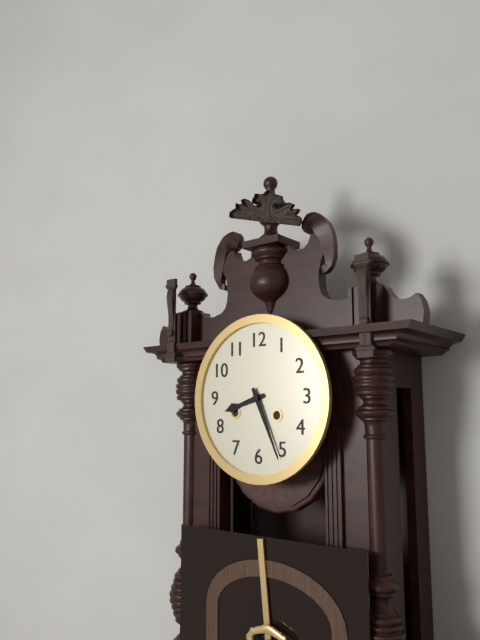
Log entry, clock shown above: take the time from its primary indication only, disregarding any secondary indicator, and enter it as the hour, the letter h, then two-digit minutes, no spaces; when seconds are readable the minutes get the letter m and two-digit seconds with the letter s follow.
8h26
